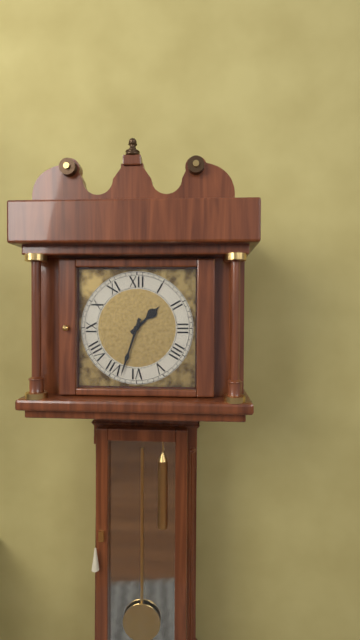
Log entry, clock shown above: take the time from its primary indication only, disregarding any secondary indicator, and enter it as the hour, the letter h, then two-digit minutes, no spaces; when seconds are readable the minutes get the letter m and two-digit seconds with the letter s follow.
1h33
